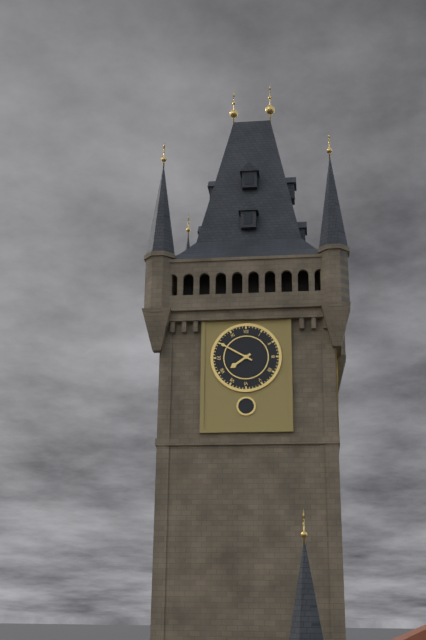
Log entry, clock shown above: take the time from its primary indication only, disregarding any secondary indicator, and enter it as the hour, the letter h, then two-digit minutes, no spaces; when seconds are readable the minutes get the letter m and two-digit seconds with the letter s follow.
7h50
